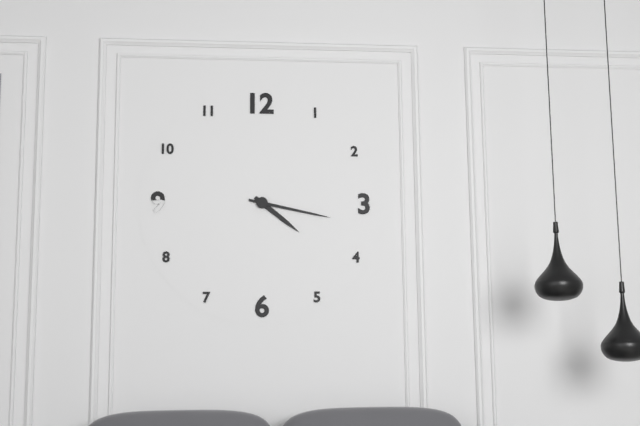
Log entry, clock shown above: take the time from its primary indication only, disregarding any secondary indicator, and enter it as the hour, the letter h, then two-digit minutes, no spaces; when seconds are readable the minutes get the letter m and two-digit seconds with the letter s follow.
4h17
